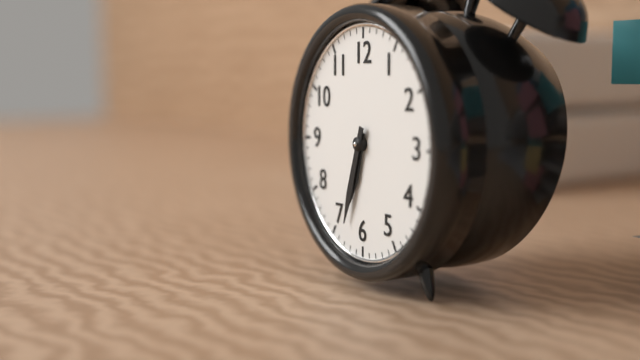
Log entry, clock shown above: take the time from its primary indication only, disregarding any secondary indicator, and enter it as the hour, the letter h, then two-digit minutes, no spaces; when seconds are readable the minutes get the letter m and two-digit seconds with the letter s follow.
6h33
